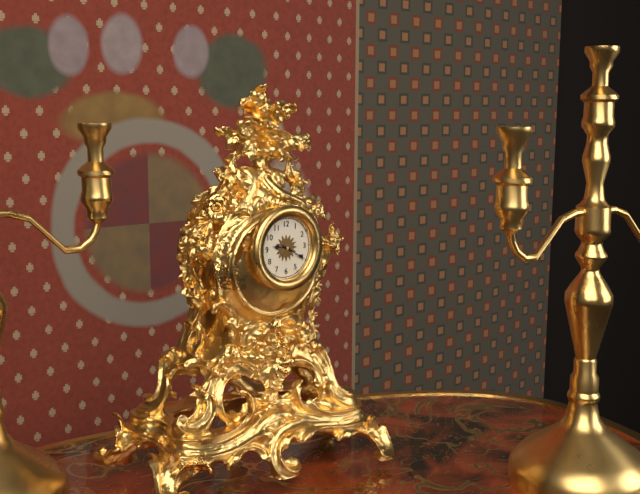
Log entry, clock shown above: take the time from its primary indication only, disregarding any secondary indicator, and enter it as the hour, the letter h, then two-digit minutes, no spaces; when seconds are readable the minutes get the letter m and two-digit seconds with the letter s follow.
9h20
